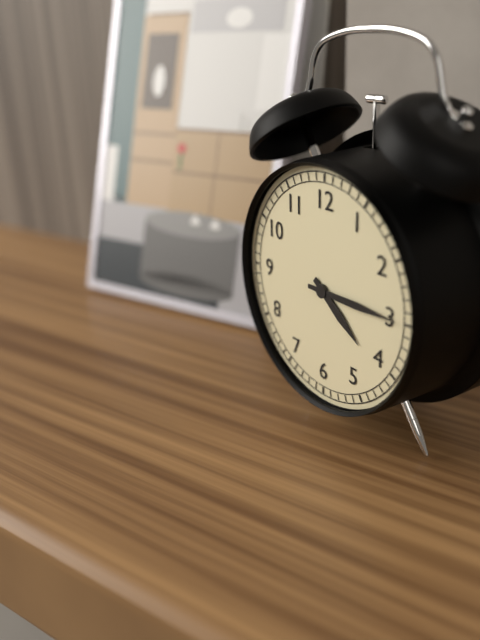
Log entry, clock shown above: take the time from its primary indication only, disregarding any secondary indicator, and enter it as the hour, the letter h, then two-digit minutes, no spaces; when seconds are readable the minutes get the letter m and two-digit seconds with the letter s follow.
4h15
